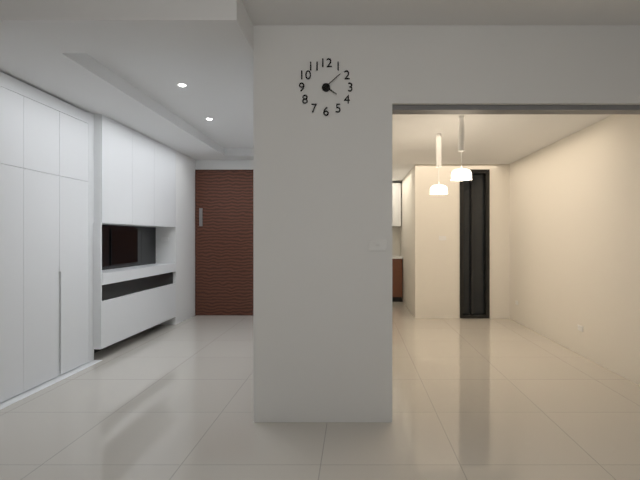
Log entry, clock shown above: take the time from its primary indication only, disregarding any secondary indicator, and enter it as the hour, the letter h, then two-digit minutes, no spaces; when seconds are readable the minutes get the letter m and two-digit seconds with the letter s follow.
4h08
